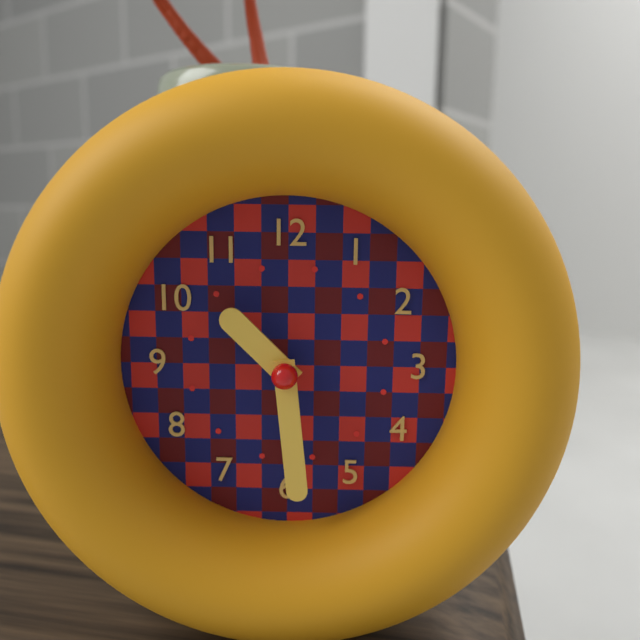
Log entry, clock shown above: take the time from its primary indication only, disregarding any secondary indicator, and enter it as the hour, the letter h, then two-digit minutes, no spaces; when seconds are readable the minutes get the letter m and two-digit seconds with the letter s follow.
10h29
